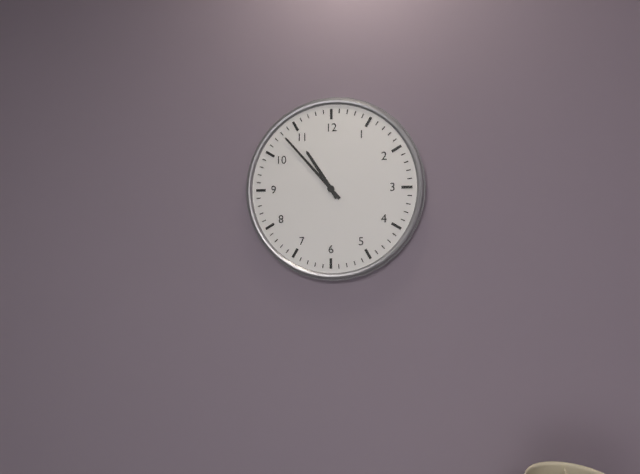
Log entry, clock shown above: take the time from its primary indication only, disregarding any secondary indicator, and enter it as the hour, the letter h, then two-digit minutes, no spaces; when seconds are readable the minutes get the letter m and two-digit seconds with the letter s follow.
10h53
